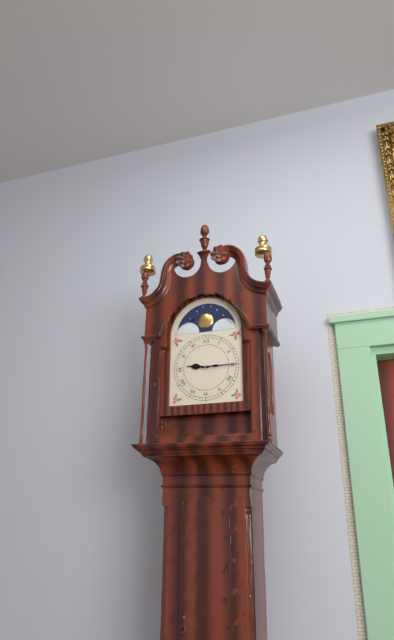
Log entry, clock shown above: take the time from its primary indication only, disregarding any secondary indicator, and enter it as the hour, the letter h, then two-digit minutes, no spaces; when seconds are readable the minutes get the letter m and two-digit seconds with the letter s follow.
9h15
